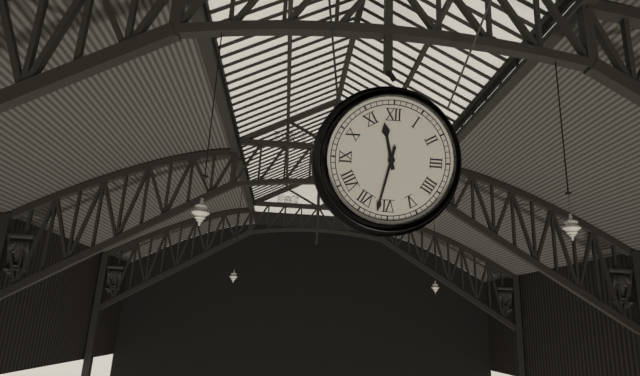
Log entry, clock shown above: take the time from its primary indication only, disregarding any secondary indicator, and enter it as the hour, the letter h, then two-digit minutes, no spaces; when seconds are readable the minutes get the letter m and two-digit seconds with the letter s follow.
11h32
